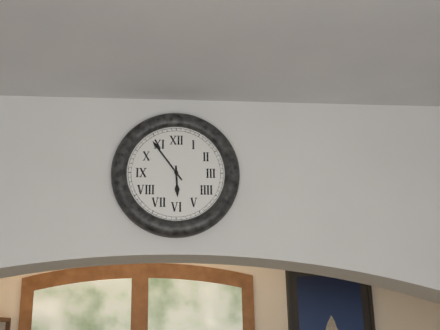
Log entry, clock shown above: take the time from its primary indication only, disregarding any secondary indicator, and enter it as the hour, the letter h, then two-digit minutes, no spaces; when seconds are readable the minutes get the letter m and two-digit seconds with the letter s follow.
5h54
